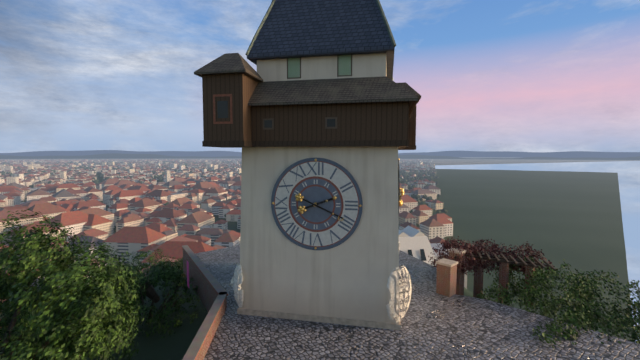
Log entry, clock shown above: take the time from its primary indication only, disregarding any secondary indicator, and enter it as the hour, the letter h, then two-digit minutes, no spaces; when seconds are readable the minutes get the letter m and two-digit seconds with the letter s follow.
2h19
